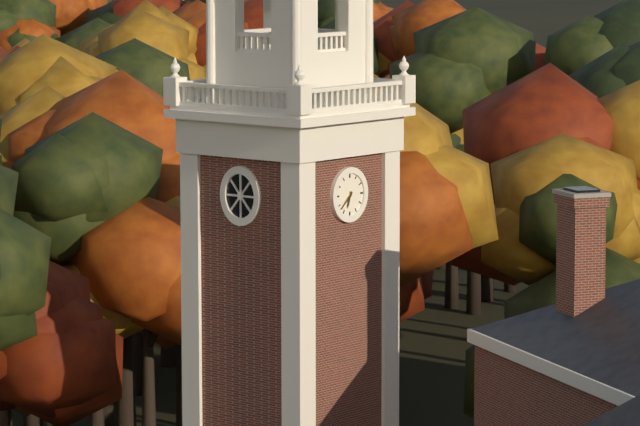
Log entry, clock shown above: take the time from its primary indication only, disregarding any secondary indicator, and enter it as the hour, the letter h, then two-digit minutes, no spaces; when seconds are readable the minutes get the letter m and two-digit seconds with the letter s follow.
6h38
